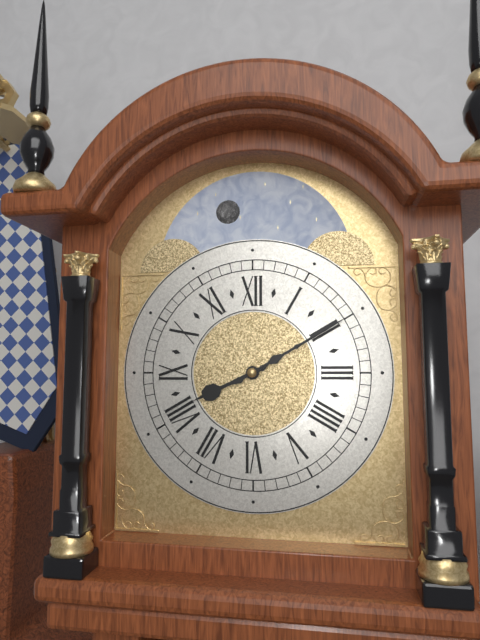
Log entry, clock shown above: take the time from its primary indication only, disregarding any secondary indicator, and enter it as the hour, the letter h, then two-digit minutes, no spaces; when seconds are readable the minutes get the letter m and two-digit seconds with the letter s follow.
8h10
